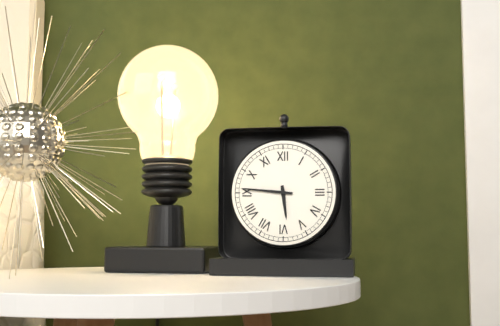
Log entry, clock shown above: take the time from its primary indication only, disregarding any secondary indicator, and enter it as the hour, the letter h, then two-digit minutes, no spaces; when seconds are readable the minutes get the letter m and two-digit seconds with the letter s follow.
5h46
